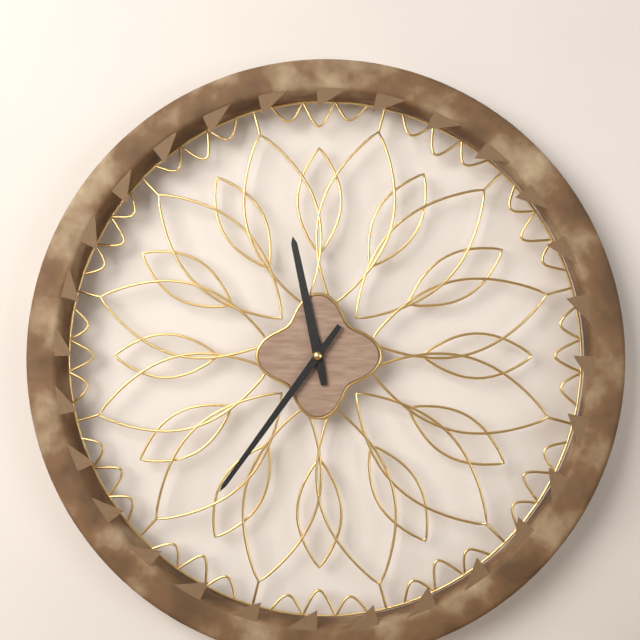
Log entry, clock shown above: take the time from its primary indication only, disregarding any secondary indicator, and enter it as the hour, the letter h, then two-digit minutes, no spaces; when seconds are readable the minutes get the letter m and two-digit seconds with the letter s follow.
11h36
